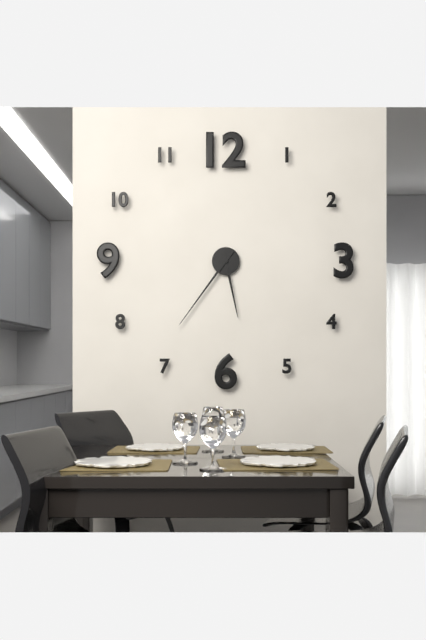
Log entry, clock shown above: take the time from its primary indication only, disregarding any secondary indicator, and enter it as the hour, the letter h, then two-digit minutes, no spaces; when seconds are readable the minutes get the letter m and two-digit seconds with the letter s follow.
5h36
